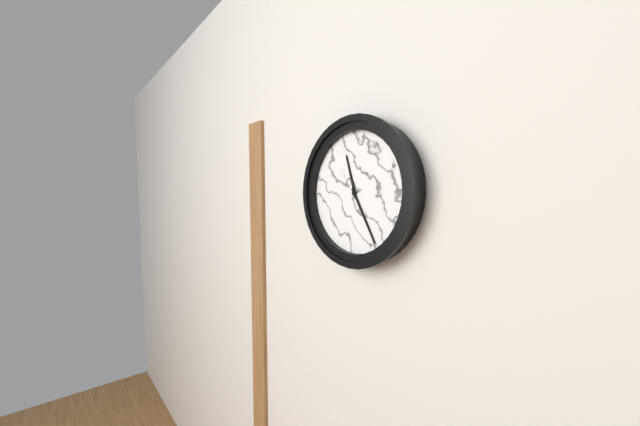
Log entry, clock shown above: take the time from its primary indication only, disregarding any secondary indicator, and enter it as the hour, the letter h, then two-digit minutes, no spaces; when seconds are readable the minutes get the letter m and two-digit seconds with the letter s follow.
11h25
